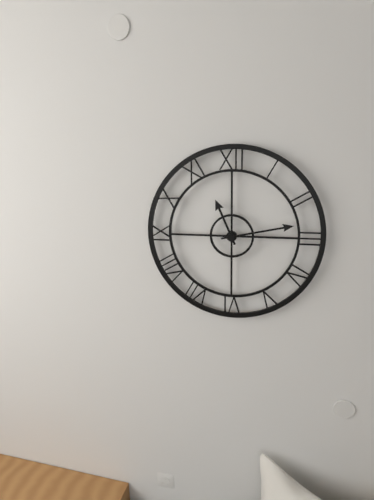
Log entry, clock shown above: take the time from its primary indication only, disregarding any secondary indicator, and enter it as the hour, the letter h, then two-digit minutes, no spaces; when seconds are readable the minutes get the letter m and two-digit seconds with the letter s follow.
11h13
